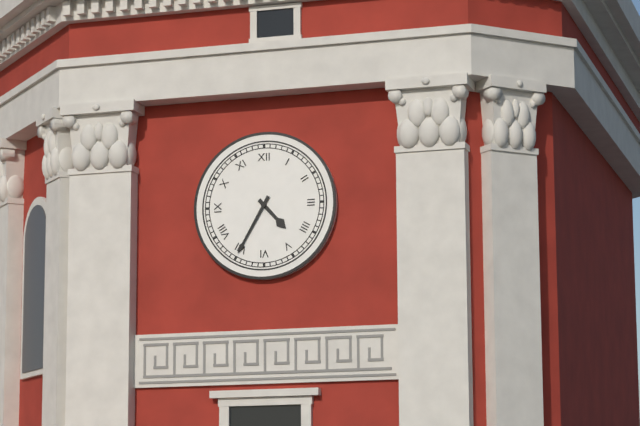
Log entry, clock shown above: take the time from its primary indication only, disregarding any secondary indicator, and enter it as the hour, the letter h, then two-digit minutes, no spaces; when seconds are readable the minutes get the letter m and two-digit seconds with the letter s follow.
4h35
